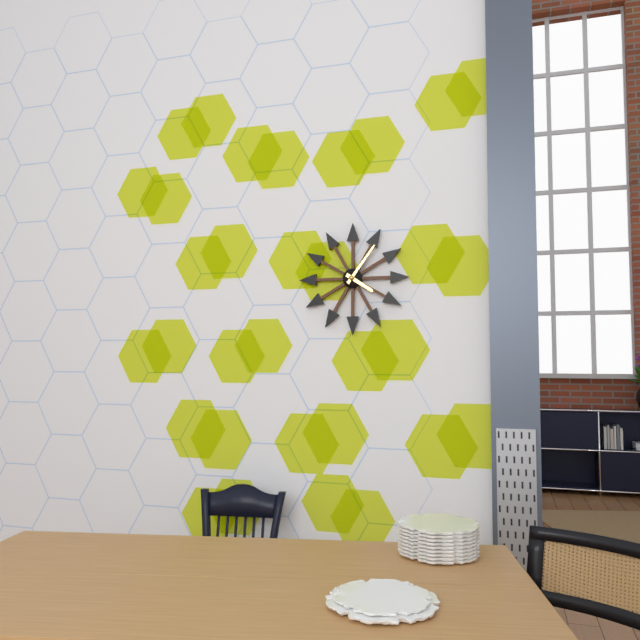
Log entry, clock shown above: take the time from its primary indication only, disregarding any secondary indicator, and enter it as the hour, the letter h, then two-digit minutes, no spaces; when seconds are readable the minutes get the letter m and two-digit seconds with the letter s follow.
4h06
